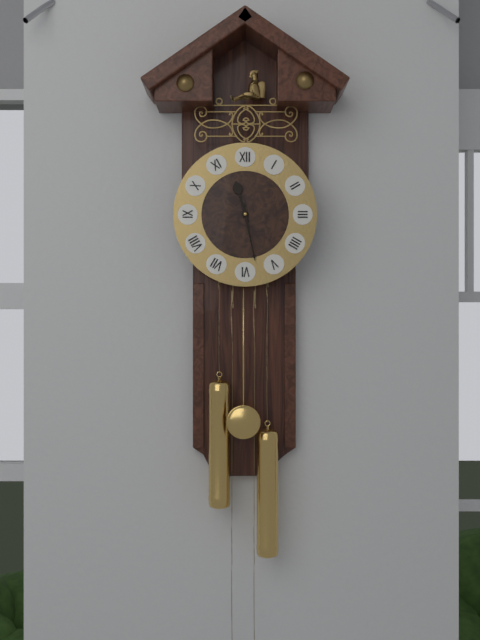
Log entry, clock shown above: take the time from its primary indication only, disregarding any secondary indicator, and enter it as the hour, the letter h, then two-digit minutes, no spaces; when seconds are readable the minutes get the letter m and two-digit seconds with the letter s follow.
11h28
